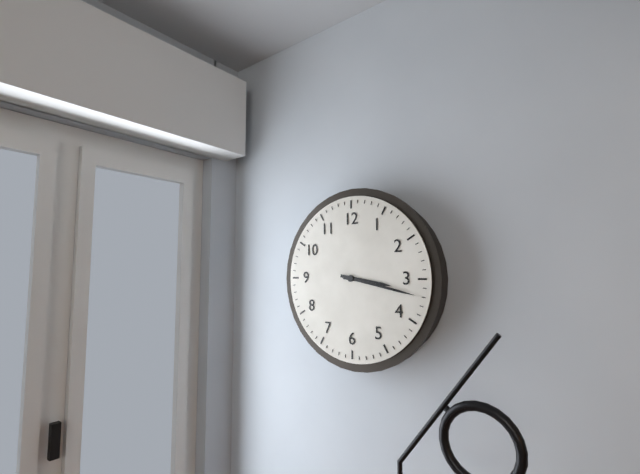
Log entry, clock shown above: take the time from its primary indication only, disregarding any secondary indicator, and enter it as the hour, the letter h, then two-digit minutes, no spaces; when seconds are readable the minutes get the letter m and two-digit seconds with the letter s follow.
3h17
